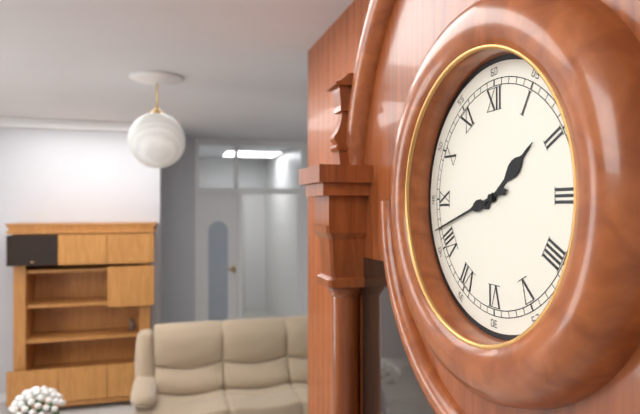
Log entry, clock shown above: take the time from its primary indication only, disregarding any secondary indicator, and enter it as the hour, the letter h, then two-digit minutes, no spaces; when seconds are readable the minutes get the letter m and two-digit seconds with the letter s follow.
1h42
